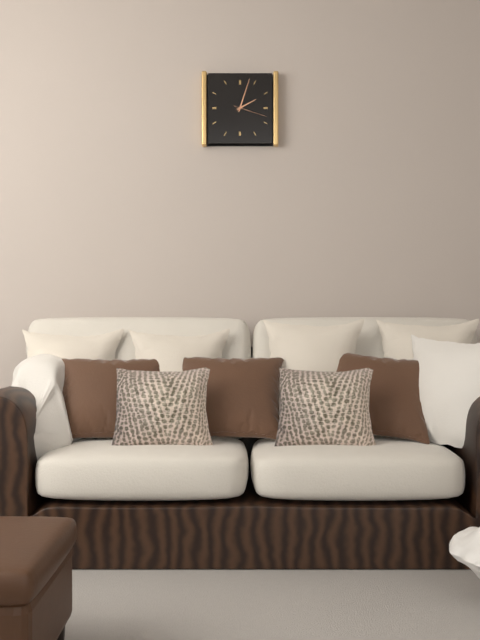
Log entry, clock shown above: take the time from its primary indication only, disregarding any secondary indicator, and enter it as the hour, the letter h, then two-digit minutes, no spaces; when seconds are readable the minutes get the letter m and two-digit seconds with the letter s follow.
2h03
